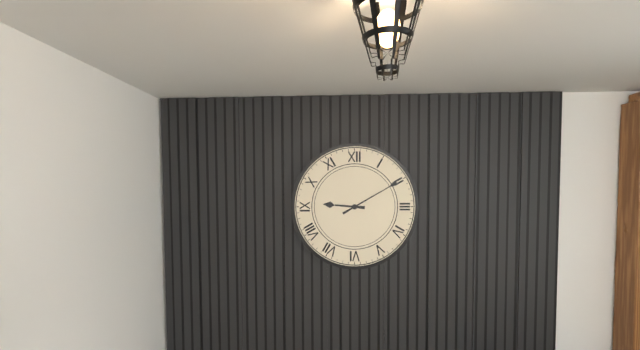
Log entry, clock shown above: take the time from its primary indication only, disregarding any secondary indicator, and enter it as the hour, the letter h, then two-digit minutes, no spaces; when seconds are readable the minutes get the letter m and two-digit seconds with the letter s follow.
9h10
